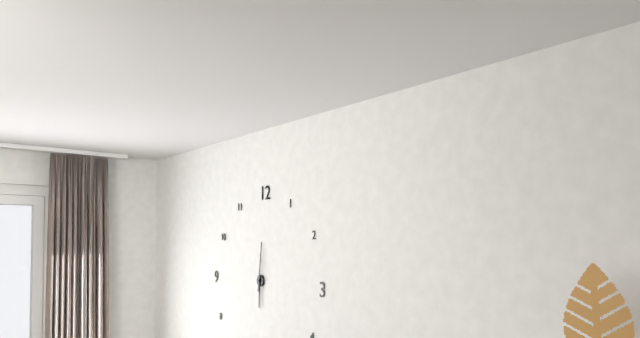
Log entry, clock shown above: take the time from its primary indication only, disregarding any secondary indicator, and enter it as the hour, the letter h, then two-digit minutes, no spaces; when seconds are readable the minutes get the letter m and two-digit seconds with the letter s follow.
6h01
